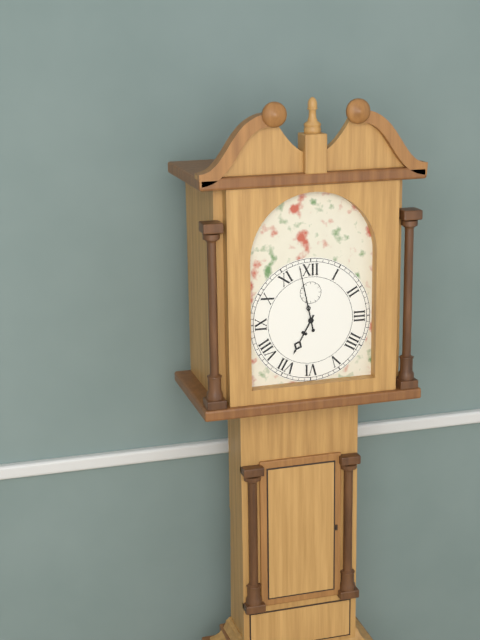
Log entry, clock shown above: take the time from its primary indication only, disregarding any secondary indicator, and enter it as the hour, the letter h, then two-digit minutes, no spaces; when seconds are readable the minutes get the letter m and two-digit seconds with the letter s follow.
6h58
